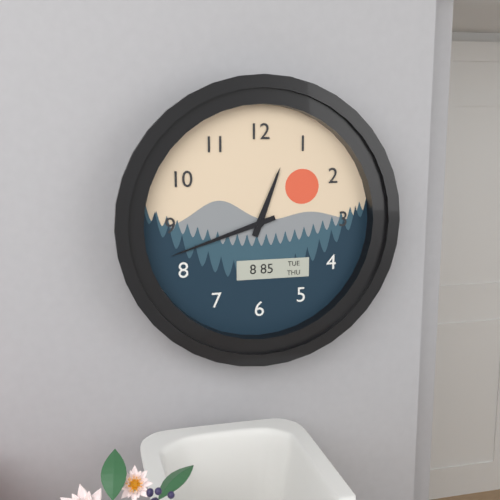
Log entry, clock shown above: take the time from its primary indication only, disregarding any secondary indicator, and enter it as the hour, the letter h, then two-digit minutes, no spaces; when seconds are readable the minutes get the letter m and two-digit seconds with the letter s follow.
12h42
